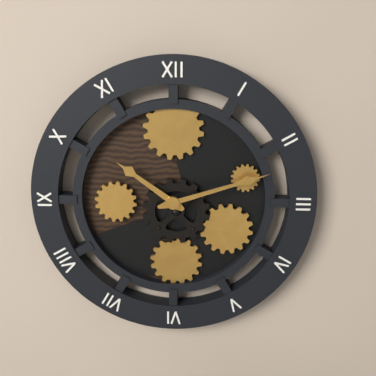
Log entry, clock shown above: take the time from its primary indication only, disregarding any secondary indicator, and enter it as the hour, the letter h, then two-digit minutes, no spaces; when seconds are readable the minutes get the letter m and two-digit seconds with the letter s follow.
10h12
